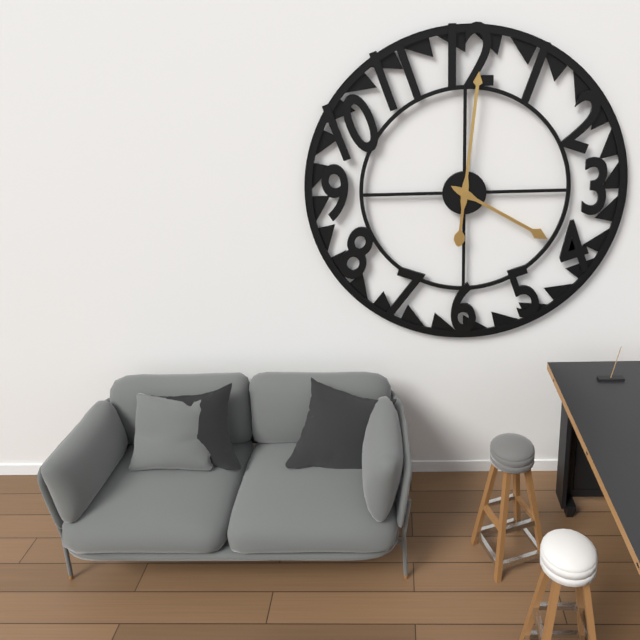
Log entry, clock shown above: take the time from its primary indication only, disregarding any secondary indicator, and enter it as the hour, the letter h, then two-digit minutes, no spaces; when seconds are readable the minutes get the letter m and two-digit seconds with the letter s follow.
4h01
